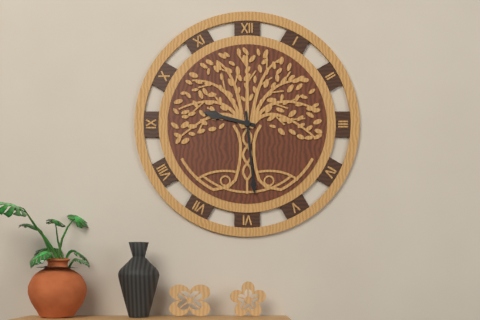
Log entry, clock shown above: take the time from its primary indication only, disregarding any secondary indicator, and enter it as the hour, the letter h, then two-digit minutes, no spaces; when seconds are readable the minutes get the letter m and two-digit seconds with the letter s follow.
9h29
